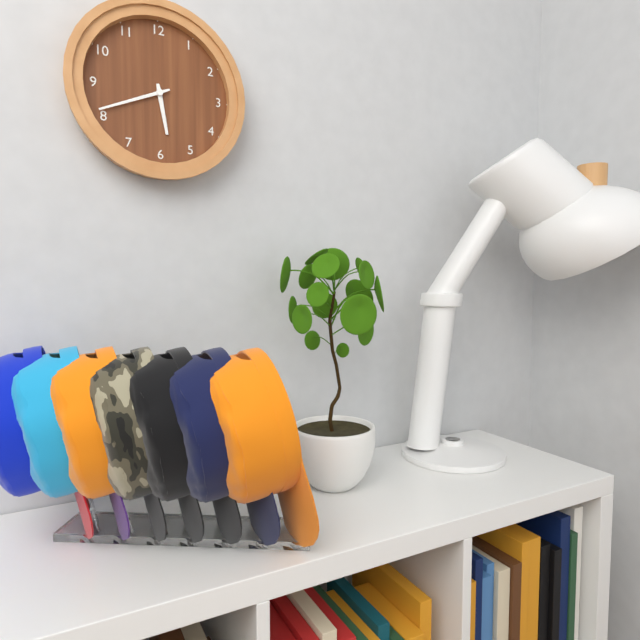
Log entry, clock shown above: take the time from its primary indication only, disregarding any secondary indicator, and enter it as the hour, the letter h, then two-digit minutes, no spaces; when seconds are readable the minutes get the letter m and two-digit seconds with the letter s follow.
5h41
